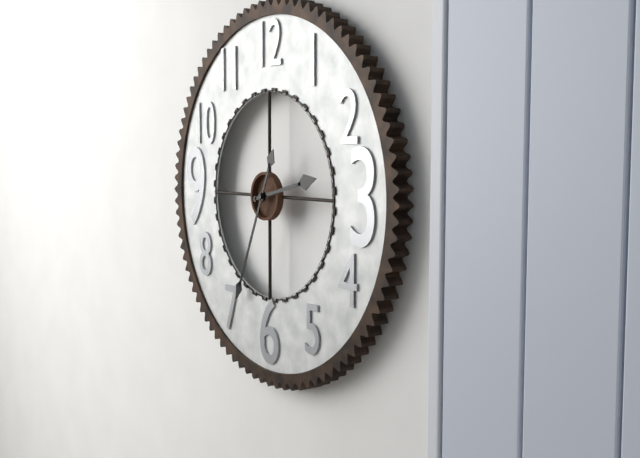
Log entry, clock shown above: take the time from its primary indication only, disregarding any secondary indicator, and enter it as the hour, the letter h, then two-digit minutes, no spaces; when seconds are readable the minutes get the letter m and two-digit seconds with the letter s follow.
2h34
